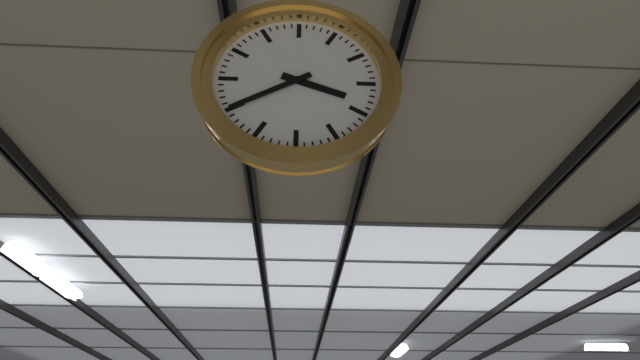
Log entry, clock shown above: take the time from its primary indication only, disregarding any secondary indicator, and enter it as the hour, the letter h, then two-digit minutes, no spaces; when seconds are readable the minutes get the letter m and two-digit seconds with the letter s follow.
3h40
